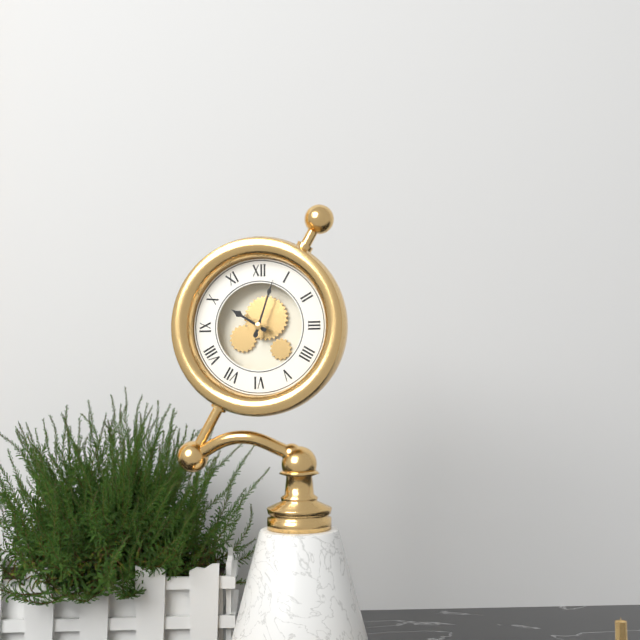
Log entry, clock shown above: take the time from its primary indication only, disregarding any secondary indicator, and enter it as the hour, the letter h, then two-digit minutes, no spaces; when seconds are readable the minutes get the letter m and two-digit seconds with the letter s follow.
10h03
